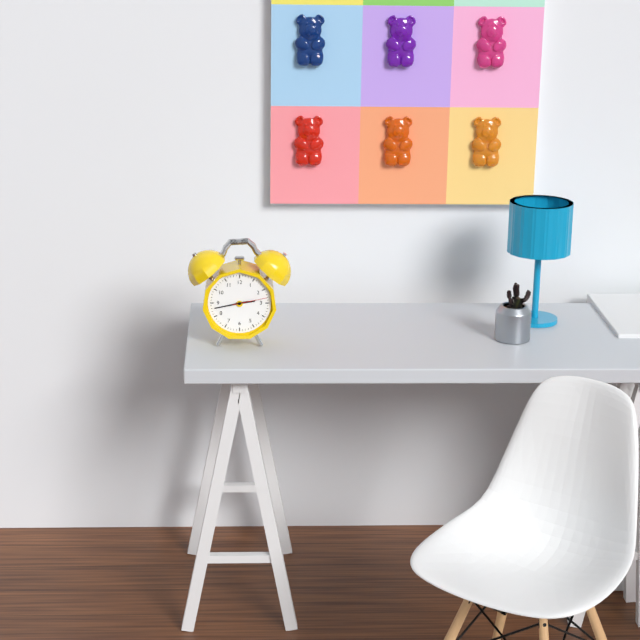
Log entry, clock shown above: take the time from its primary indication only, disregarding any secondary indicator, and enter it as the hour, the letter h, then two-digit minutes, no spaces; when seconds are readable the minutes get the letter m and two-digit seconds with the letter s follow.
2h43
